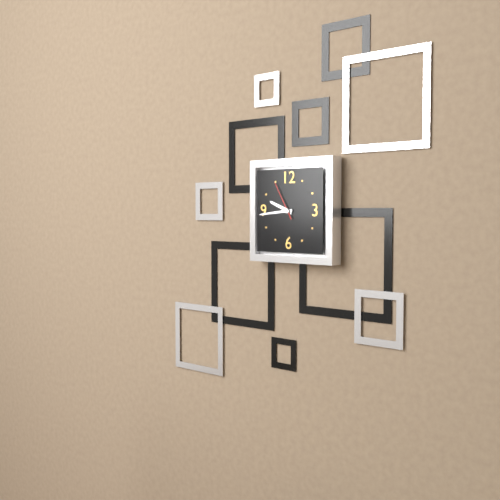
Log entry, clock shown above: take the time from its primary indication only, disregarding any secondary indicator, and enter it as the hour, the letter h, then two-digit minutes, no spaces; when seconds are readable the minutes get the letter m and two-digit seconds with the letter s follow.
9h44
